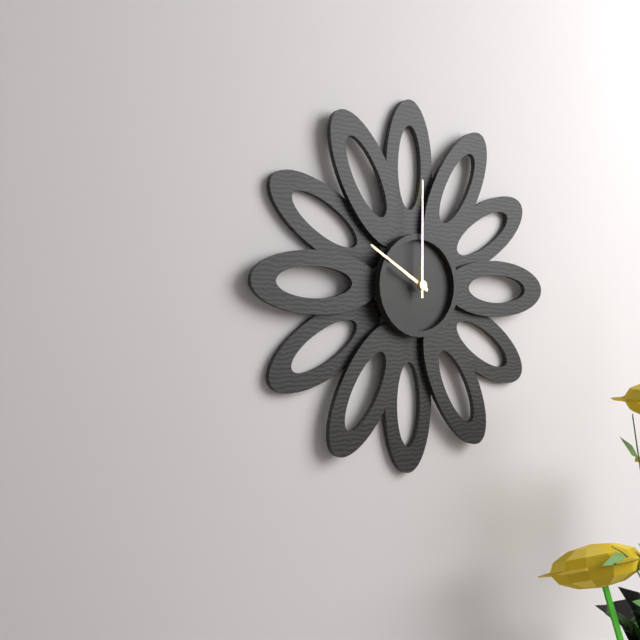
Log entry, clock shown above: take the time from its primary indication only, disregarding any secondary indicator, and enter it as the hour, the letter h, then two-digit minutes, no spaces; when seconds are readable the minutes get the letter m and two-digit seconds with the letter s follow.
10h00
